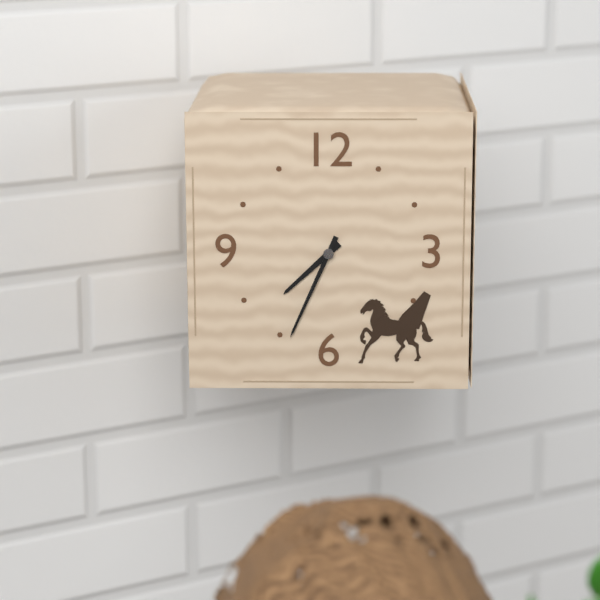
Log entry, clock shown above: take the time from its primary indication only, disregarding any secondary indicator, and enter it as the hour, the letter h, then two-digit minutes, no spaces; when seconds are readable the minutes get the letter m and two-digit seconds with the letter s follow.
7h34
